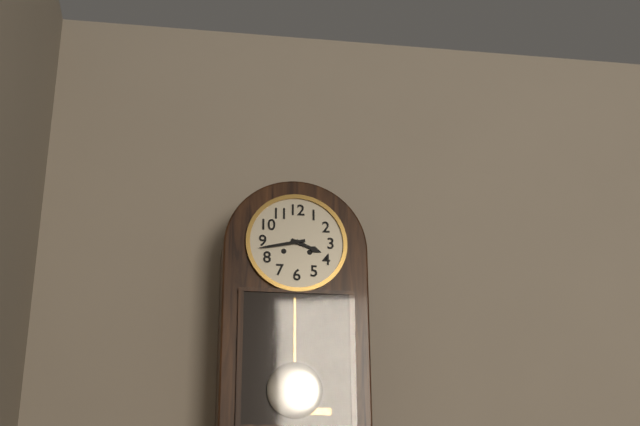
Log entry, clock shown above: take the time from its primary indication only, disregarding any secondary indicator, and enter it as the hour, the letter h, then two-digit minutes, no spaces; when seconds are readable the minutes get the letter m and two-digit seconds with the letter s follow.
3h43
